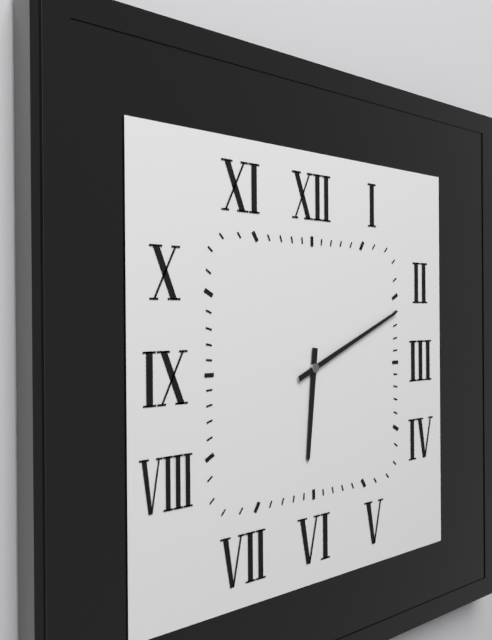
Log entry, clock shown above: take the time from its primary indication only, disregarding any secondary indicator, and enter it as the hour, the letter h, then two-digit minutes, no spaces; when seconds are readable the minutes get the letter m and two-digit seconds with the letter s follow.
6h11
